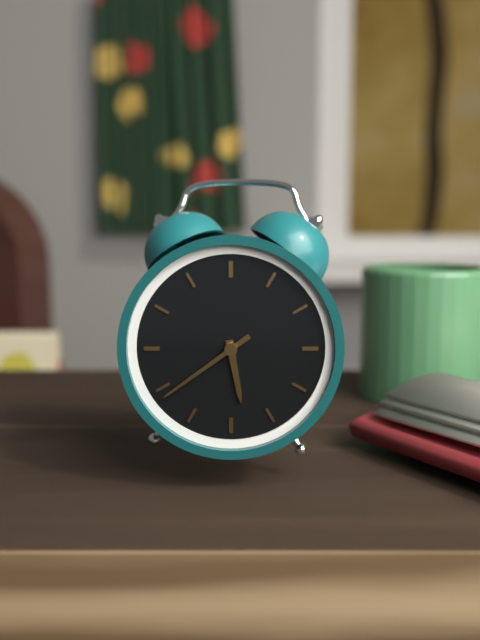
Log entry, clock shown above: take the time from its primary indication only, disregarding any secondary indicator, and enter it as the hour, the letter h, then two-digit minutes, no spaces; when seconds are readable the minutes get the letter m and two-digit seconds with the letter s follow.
5h39
